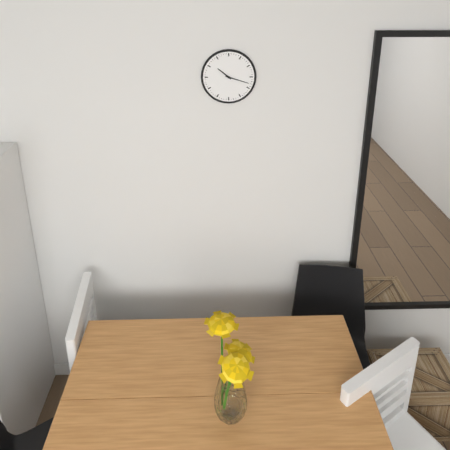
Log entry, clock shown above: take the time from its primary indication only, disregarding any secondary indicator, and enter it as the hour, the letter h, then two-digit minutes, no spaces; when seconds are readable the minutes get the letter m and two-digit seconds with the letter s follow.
10h18
